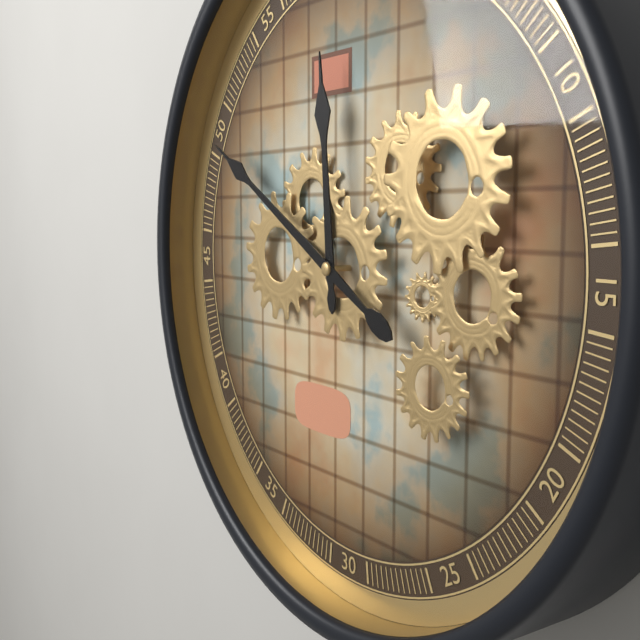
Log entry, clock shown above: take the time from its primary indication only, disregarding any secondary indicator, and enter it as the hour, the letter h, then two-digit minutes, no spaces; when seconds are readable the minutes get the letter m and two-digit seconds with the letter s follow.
11h50
